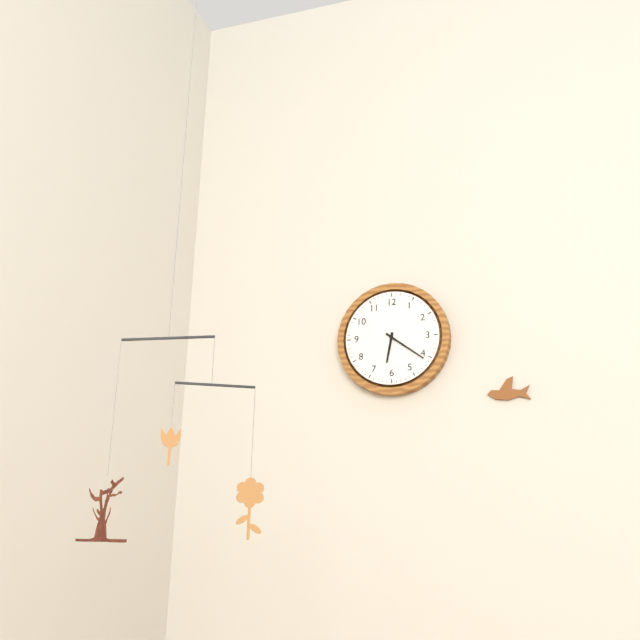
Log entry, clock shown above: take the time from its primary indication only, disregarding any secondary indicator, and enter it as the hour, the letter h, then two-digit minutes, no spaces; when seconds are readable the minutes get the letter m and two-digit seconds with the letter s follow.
6h21
